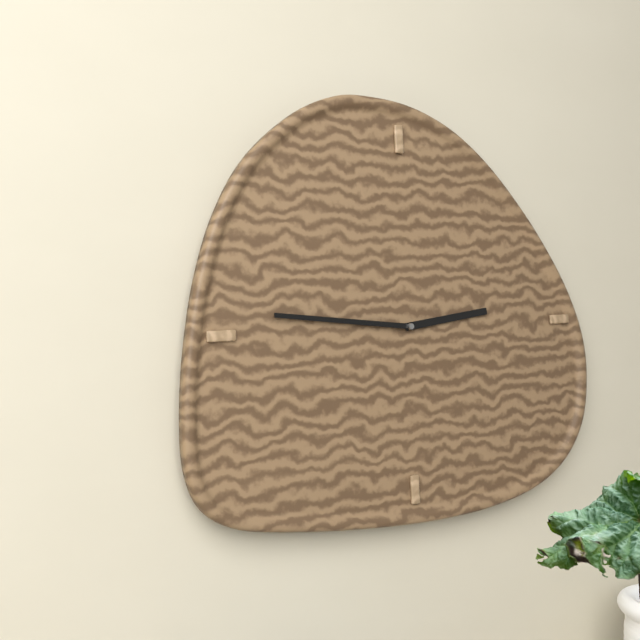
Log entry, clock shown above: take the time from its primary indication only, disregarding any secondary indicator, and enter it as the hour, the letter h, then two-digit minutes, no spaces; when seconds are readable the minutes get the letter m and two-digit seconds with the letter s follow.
2h46
